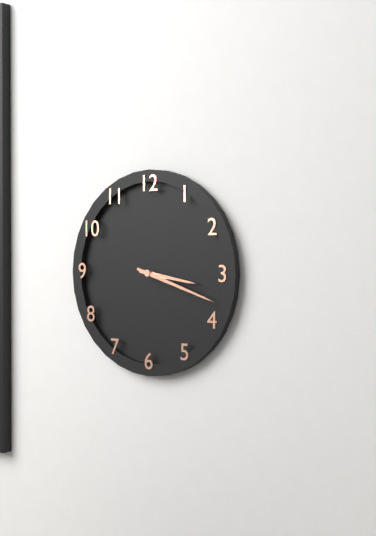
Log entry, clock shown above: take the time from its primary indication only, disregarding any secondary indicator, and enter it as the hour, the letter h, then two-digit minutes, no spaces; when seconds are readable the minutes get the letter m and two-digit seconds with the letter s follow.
3h18
